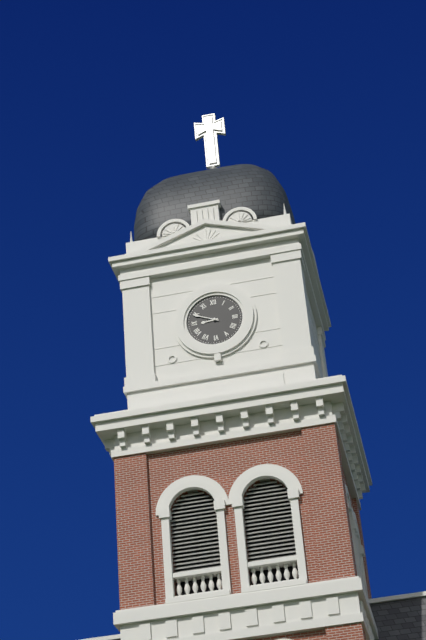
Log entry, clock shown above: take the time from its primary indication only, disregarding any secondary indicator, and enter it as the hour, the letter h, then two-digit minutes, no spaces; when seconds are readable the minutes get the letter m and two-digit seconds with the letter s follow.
8h49
